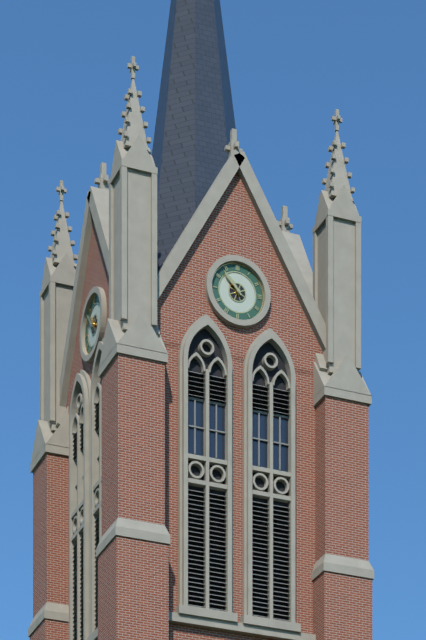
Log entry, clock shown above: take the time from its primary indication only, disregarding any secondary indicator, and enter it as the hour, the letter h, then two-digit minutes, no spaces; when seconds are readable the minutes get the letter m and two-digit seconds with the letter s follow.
10h53
